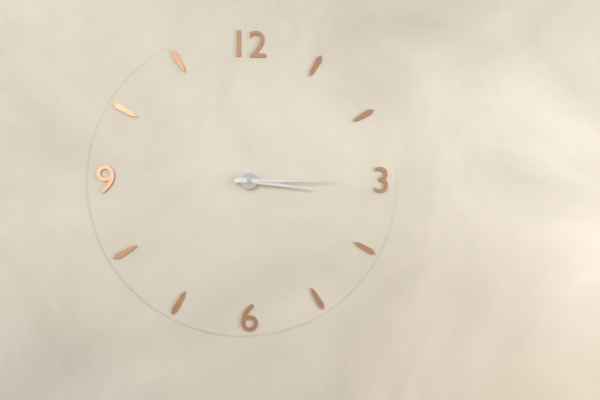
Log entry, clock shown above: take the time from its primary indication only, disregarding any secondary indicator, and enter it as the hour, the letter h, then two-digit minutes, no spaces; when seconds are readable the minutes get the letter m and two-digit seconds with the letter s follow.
3h15
